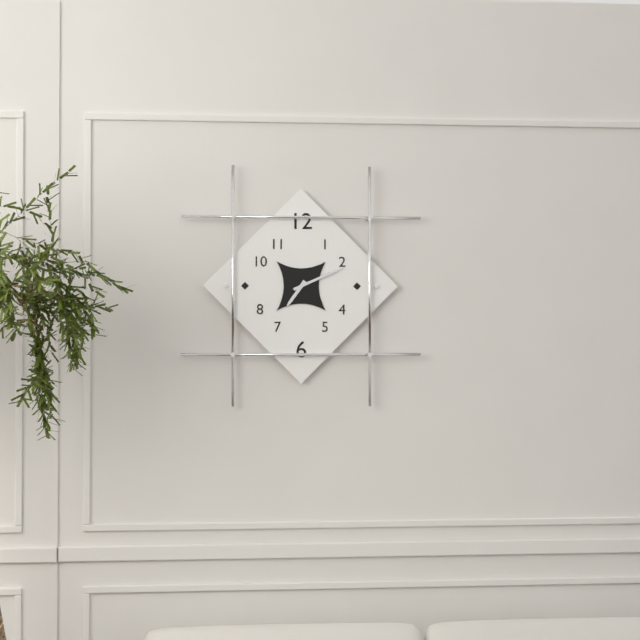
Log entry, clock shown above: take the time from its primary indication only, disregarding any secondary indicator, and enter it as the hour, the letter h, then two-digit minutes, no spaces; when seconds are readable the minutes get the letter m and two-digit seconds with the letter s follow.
7h11
